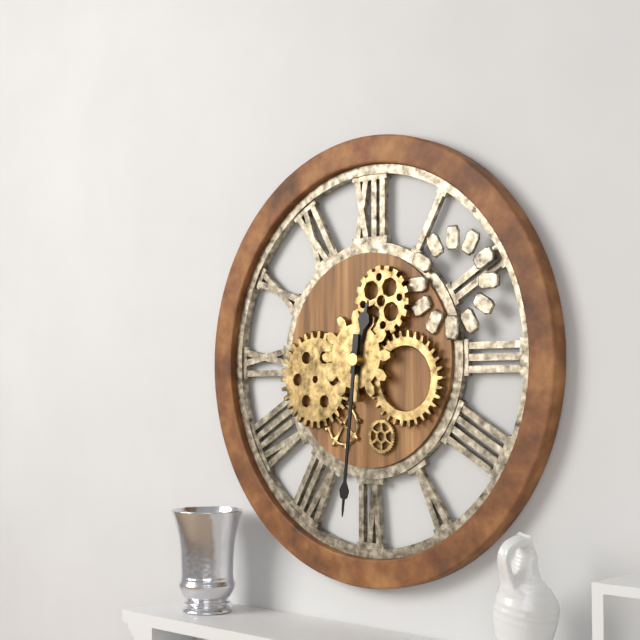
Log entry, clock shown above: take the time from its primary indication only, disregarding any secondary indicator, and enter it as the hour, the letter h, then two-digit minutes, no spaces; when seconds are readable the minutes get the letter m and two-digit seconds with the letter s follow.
12h31
